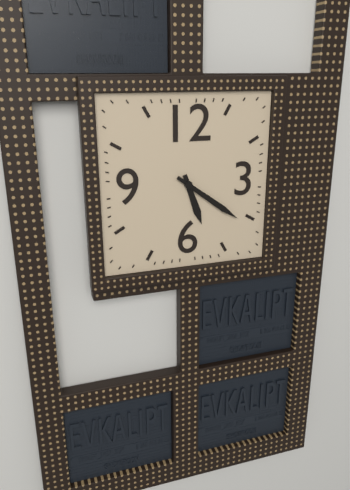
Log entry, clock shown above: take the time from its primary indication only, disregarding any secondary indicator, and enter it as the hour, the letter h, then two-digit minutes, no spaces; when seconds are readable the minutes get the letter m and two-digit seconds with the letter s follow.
5h21
